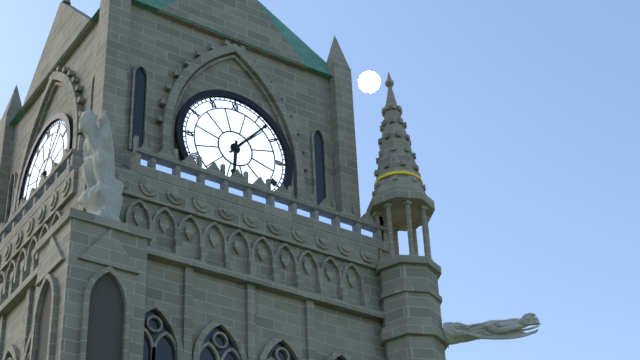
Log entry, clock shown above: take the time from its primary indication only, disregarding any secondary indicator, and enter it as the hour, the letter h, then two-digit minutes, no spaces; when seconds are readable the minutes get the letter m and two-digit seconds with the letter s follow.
6h07
